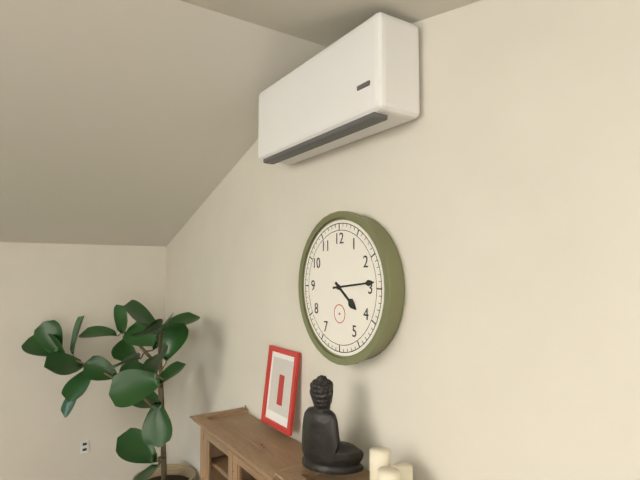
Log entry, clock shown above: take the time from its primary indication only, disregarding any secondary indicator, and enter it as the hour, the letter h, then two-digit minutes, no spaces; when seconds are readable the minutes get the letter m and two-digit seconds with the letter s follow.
4h14
